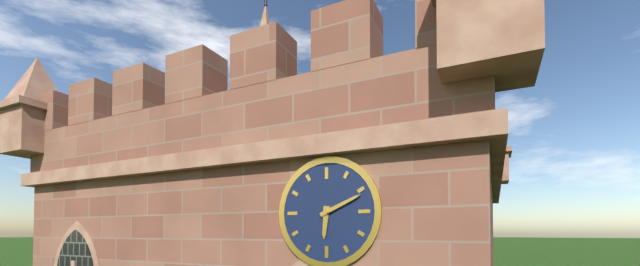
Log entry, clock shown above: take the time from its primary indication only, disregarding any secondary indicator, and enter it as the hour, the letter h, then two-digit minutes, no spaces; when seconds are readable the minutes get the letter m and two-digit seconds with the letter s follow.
6h11
